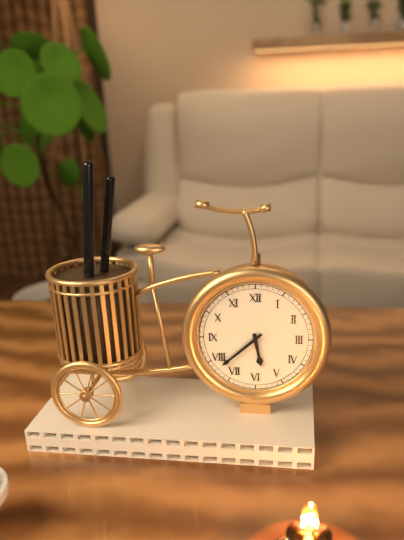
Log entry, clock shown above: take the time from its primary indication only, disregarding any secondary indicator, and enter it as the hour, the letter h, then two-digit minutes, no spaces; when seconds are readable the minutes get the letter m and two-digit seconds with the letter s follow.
5h38
